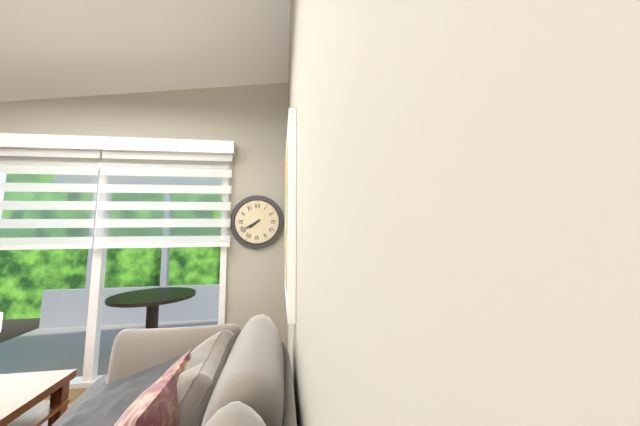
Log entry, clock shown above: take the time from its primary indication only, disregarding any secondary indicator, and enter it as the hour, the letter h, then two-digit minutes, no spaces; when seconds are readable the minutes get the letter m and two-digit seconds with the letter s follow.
7h40
